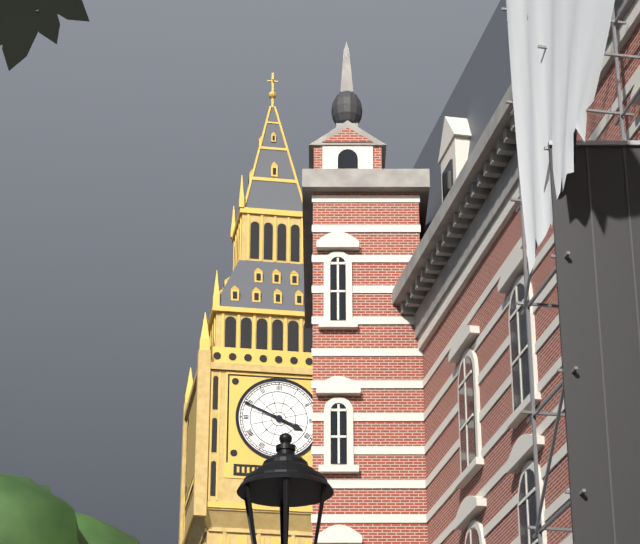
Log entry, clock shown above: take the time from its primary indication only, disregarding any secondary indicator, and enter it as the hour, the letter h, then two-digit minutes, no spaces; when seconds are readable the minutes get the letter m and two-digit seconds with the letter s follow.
3h49
